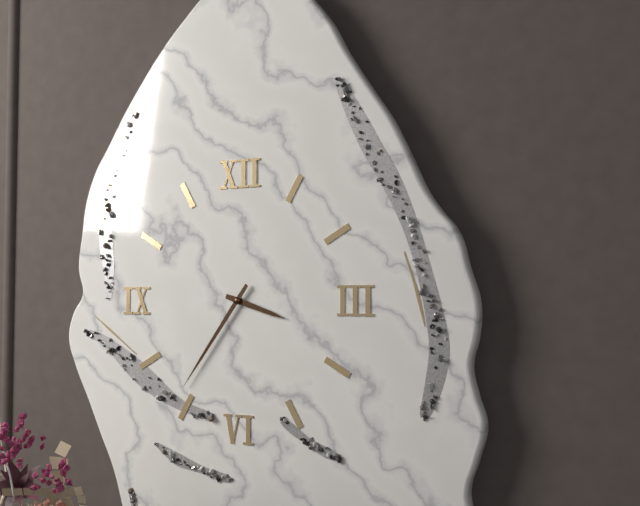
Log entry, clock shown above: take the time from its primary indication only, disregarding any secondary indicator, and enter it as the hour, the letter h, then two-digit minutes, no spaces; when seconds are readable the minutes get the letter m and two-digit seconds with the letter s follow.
3h36
